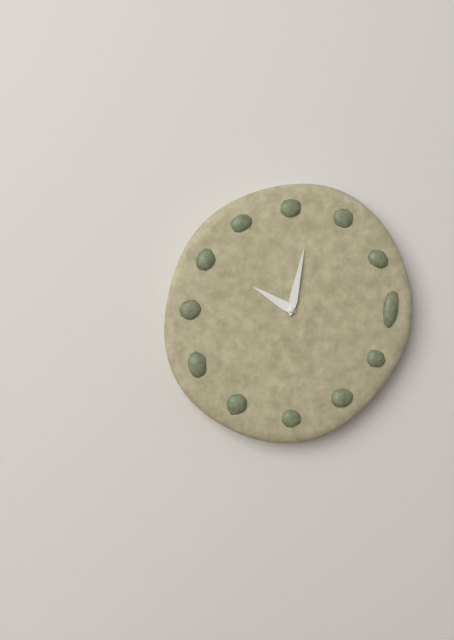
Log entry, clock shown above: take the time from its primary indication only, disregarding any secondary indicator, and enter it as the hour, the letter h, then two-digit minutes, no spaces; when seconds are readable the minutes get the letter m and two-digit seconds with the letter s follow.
10h02
